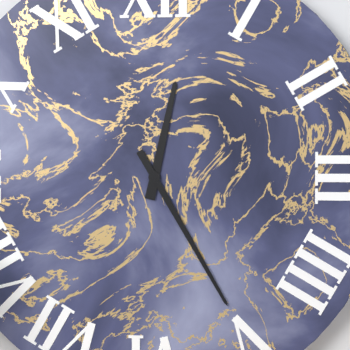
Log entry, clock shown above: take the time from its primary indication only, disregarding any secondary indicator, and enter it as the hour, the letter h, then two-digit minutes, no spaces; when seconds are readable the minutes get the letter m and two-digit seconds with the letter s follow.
12h25
